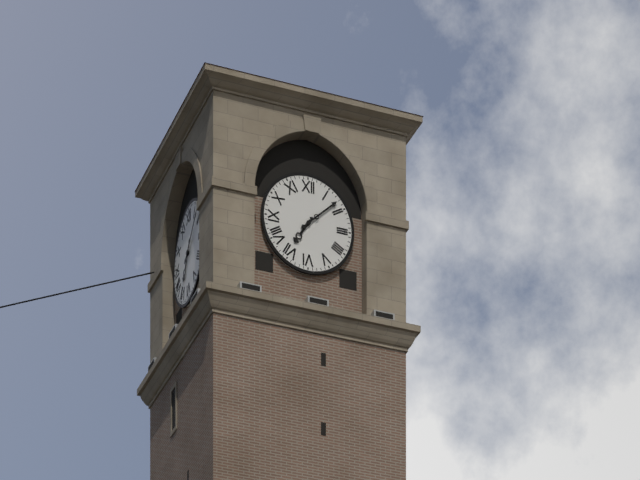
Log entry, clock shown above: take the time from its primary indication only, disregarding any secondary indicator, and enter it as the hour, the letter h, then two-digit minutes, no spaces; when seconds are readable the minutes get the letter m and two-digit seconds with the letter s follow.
7h08
